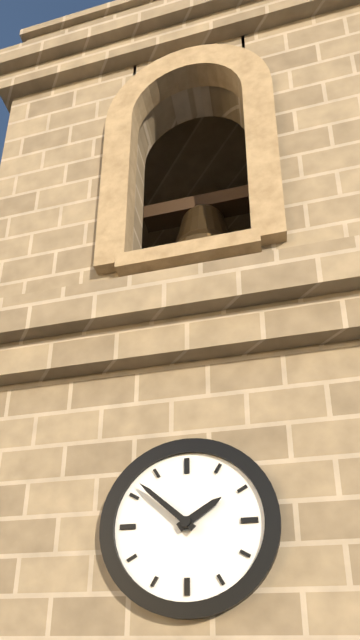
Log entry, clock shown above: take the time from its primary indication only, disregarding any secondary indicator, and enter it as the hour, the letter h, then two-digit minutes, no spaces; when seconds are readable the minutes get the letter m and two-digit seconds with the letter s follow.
1h52
